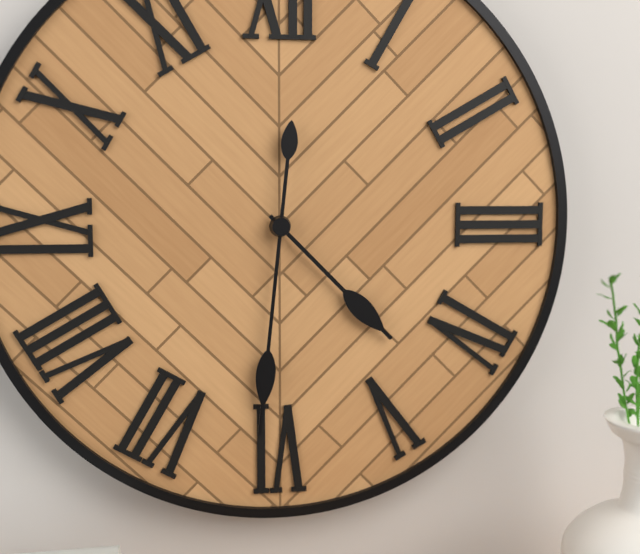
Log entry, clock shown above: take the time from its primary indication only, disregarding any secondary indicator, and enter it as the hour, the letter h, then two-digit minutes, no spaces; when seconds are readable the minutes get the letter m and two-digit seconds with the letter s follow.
4h31
